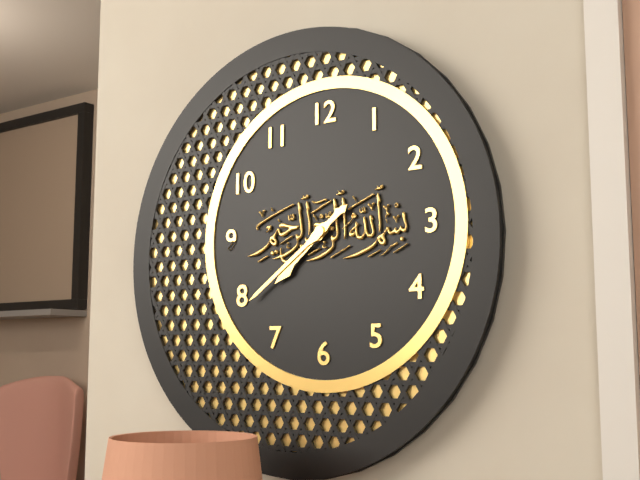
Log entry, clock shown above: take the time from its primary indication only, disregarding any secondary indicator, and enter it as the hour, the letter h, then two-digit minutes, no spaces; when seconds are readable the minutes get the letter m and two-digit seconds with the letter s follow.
7h39
